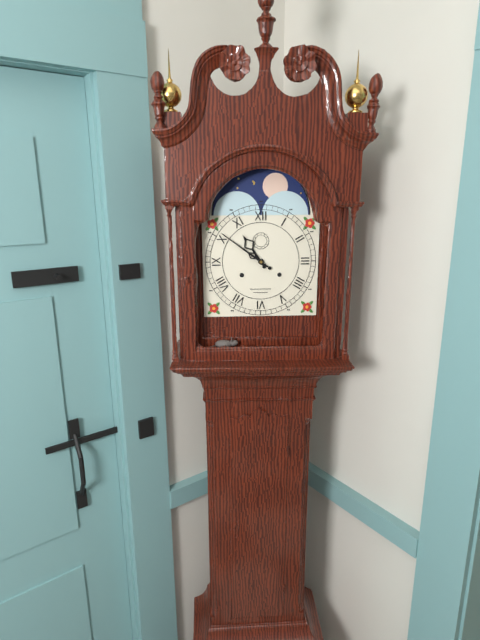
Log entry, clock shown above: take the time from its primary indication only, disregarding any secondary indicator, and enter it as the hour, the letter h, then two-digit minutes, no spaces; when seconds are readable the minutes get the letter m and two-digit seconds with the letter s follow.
10h51
